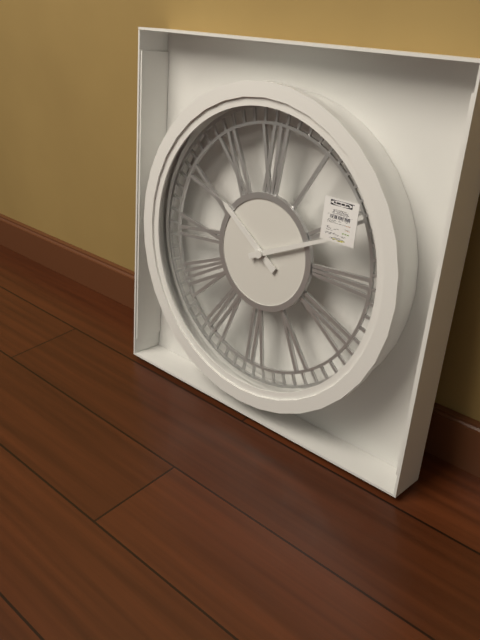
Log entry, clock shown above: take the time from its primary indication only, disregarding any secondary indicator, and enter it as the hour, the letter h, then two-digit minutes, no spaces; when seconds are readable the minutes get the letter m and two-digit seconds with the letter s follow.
10h11
